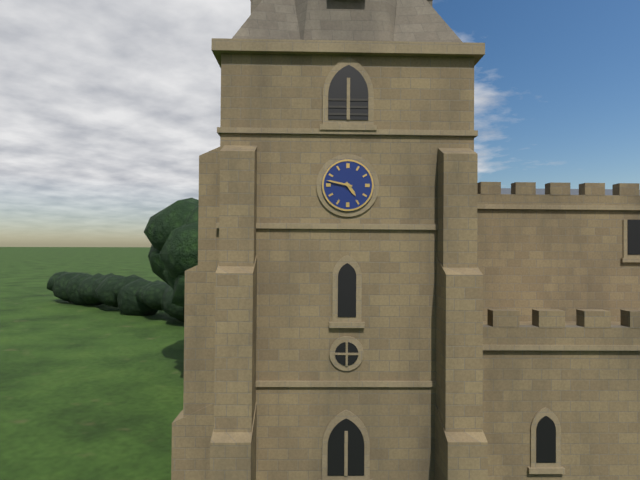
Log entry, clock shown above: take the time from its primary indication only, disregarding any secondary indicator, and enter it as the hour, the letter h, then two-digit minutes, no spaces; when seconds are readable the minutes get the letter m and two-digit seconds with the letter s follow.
4h47
